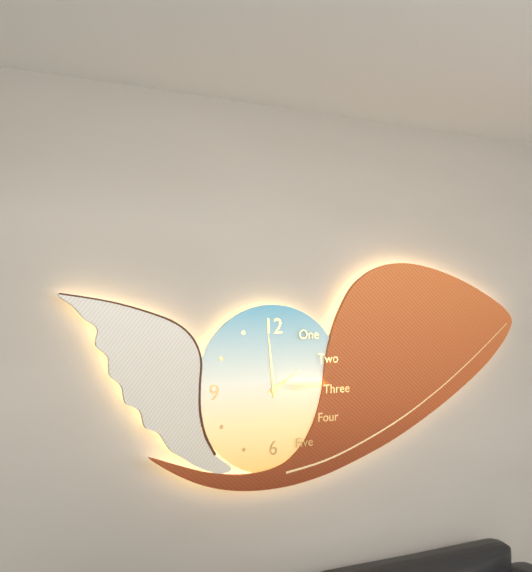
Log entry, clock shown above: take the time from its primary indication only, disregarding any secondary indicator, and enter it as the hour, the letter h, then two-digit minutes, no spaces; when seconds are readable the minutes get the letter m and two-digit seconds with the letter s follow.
1h59
